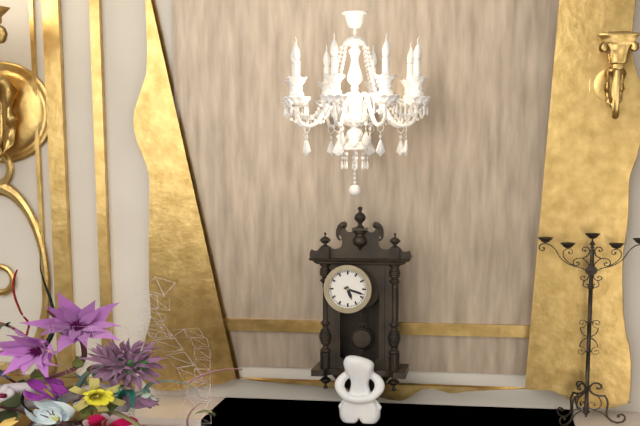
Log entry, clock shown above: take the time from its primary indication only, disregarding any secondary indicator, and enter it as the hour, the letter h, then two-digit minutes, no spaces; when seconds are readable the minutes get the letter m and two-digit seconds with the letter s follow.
5h18
